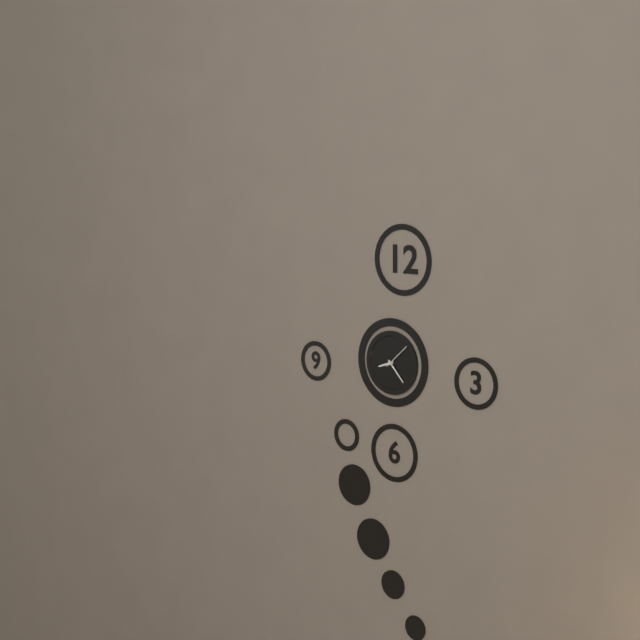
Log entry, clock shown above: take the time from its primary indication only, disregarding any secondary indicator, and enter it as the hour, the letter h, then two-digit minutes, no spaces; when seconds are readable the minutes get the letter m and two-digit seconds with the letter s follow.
8h23
